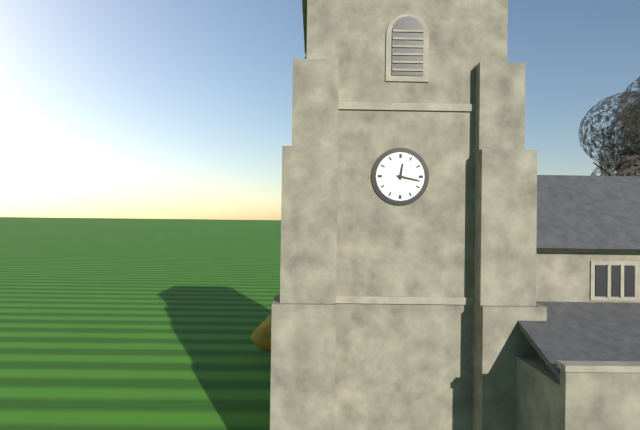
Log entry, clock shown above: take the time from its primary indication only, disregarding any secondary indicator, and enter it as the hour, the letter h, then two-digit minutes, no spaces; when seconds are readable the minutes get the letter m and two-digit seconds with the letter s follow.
12h17
